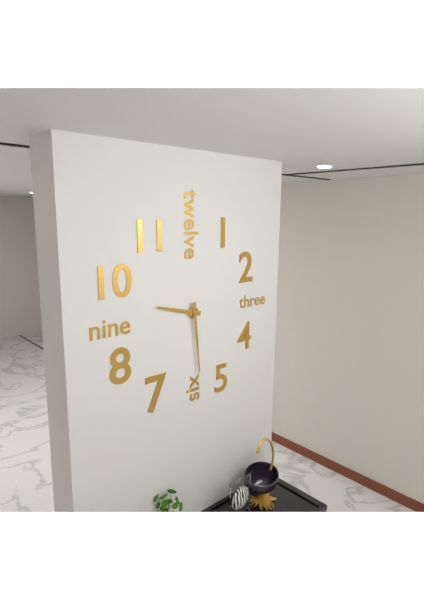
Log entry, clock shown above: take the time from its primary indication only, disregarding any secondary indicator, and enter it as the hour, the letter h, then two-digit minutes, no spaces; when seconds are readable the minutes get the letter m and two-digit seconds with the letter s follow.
9h29
